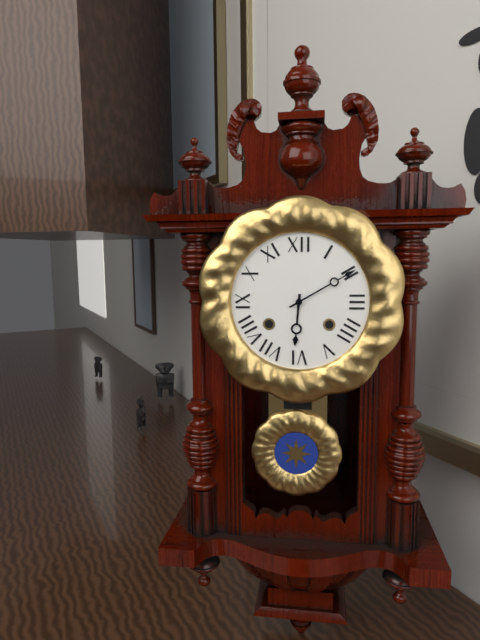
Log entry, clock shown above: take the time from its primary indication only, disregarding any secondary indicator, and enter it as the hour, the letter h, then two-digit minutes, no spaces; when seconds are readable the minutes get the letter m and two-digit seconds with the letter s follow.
6h10
